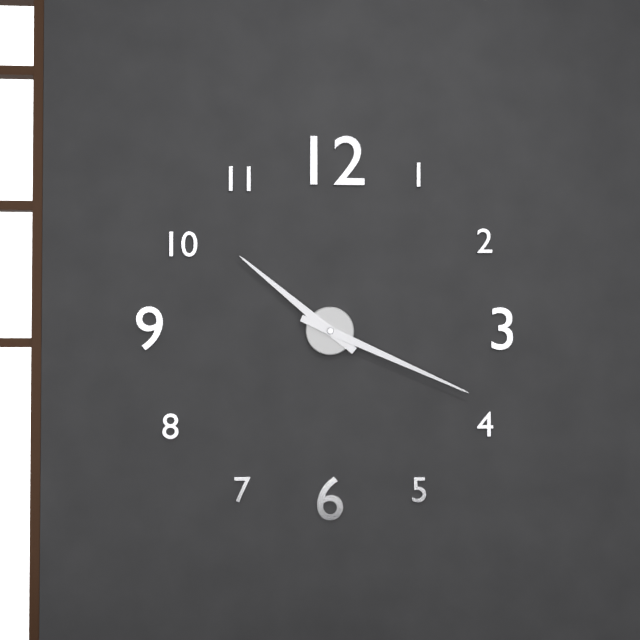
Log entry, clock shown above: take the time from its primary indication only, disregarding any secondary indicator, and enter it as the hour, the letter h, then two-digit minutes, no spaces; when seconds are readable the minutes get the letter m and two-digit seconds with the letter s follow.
10h19
